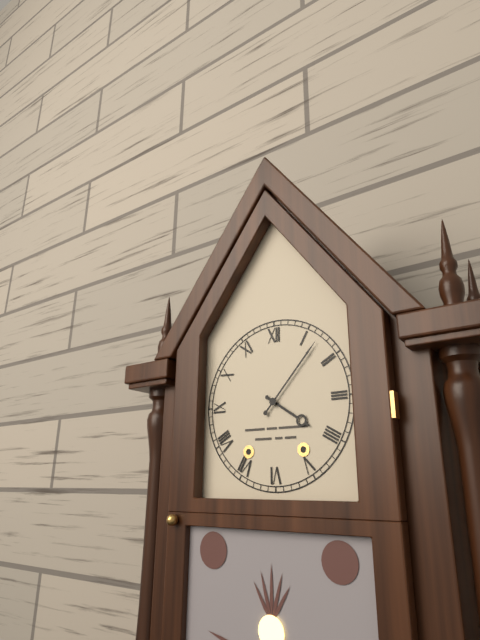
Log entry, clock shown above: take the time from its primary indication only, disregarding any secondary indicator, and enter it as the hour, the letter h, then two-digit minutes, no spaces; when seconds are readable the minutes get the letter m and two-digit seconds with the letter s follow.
4h07
